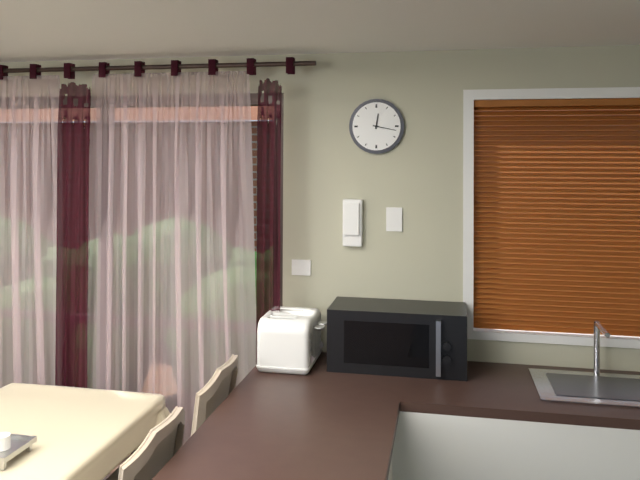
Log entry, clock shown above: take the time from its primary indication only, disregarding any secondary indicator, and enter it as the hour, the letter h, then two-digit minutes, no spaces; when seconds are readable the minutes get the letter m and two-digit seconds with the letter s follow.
12h17
